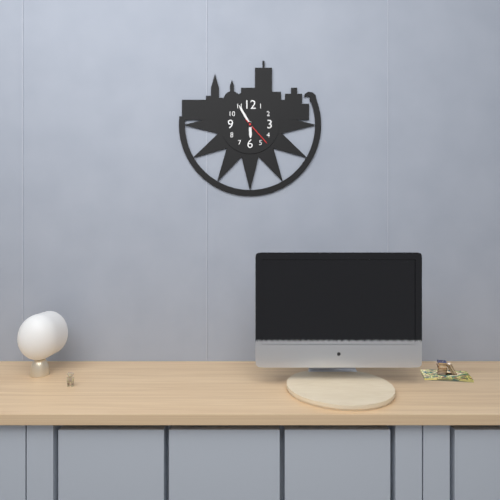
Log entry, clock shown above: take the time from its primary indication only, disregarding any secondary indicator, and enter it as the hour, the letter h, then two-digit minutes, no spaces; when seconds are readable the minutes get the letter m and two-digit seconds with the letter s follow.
5h55
